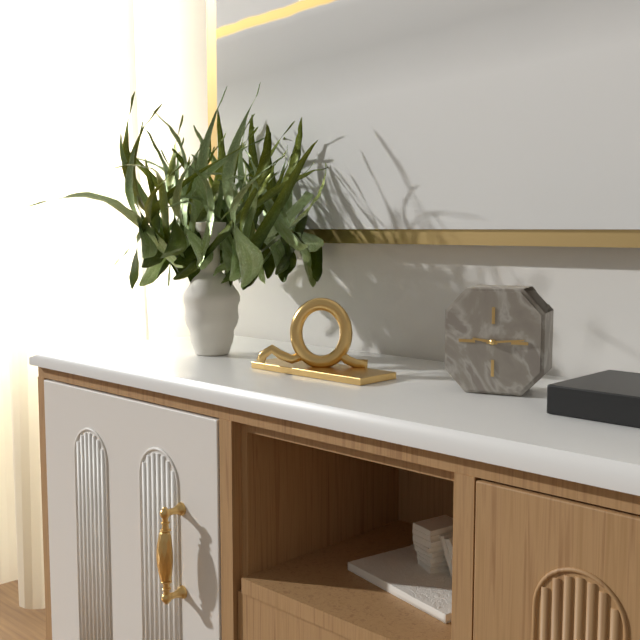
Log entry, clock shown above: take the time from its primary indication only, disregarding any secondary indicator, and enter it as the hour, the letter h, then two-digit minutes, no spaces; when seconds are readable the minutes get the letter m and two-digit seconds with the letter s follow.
9h14
